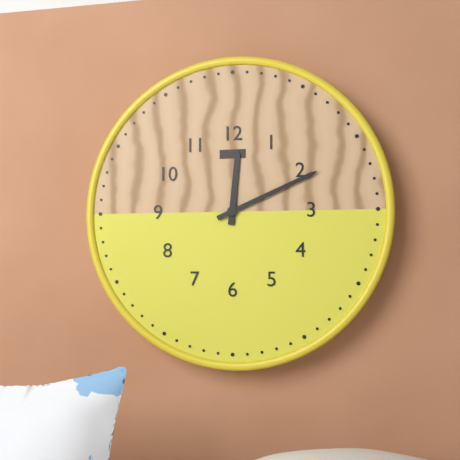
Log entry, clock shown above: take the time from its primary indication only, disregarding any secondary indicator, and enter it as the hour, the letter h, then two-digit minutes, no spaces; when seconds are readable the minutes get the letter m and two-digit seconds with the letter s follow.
12h11
